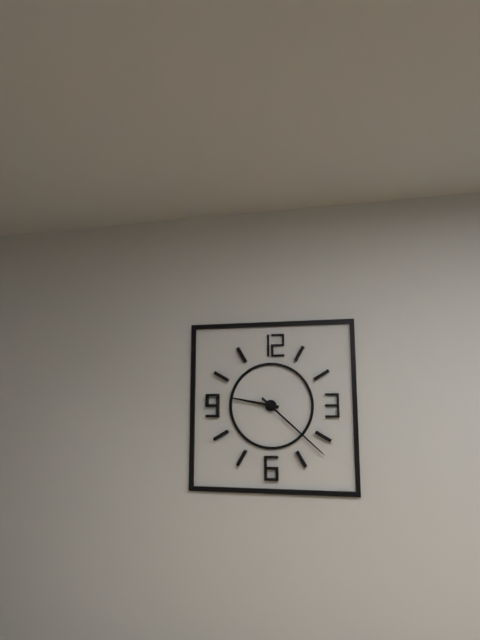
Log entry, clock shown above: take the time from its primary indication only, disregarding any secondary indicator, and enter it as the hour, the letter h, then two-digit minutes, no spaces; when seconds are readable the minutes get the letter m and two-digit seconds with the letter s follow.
9h22
